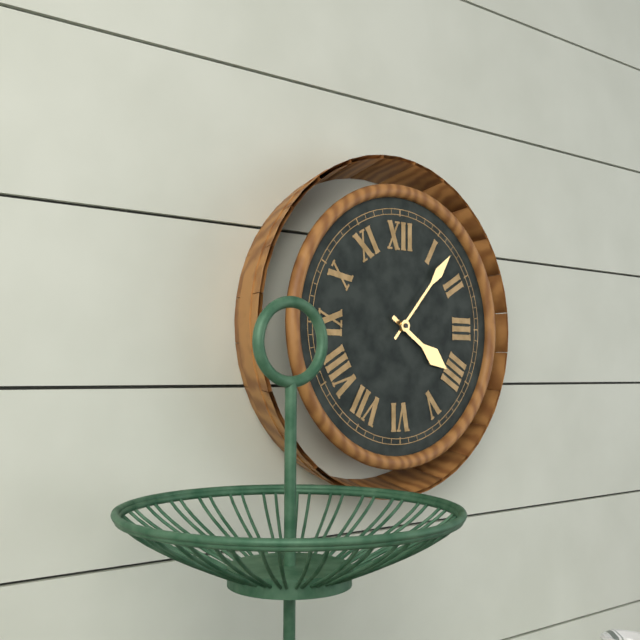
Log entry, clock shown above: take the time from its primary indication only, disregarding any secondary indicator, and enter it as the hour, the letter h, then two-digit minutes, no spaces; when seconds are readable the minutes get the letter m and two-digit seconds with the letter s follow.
4h07
